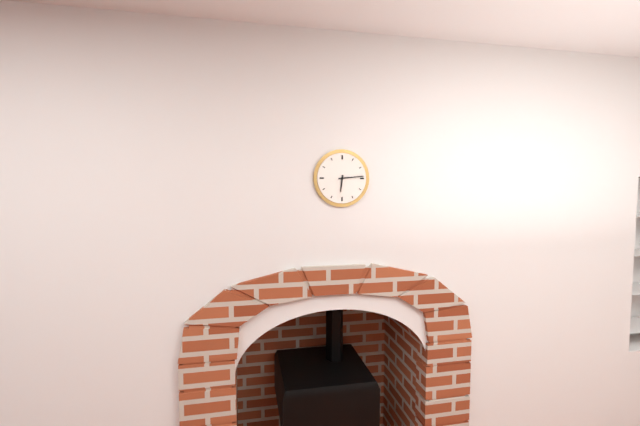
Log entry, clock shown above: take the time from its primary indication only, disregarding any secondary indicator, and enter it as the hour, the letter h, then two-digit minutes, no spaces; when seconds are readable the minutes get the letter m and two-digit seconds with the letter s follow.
6h14
